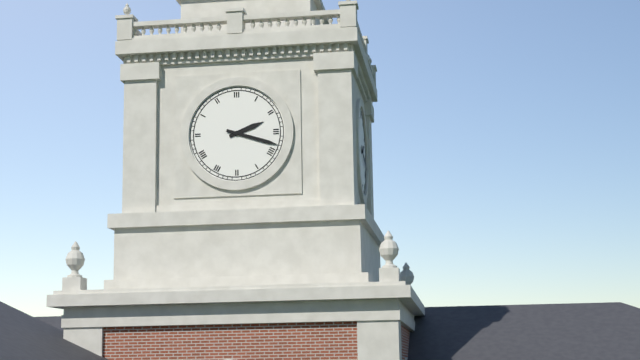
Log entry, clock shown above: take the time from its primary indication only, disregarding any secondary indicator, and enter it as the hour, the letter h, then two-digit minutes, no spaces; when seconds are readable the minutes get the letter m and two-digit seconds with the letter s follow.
2h18
